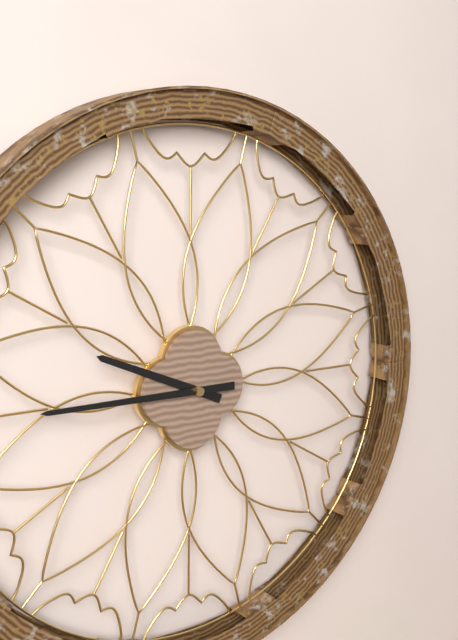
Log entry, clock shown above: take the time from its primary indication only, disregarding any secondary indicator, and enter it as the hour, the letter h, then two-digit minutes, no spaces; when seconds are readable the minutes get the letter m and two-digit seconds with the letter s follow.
9h45
